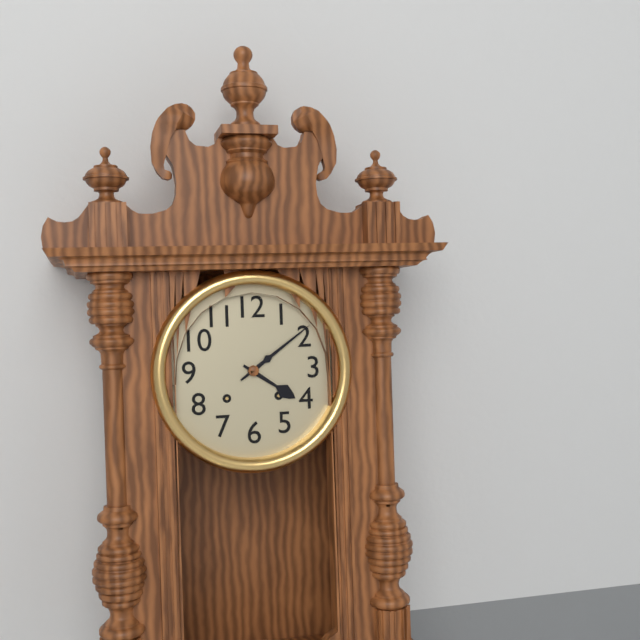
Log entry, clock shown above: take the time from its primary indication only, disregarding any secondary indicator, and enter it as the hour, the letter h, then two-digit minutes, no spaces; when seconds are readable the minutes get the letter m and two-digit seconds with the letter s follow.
4h09
